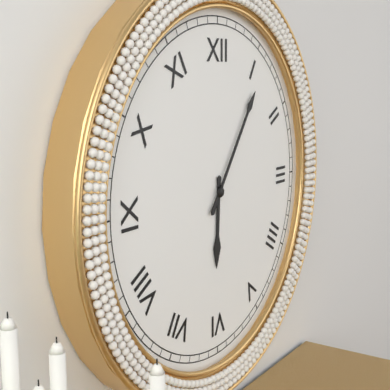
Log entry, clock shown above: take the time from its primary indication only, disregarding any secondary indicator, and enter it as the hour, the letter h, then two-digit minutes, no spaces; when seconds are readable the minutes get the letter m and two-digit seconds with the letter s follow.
6h06
